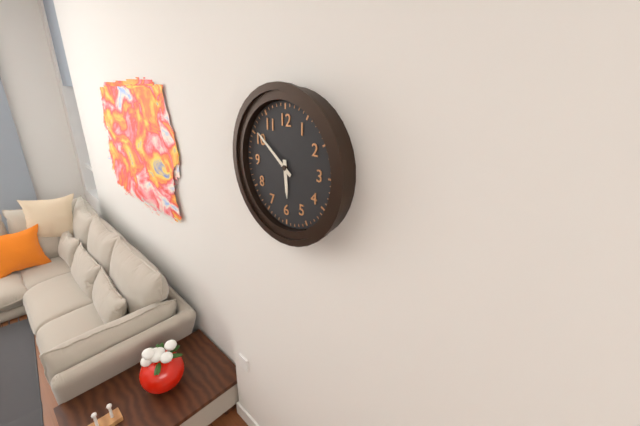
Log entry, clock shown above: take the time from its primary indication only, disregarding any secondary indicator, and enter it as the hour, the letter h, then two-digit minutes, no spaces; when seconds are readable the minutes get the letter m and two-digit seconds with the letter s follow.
5h51
